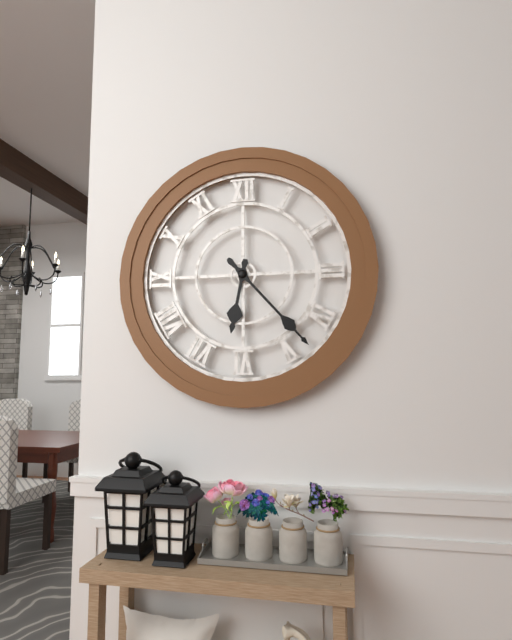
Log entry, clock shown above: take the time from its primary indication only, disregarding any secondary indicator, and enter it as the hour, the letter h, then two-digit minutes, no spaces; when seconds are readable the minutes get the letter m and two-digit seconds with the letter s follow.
6h23
